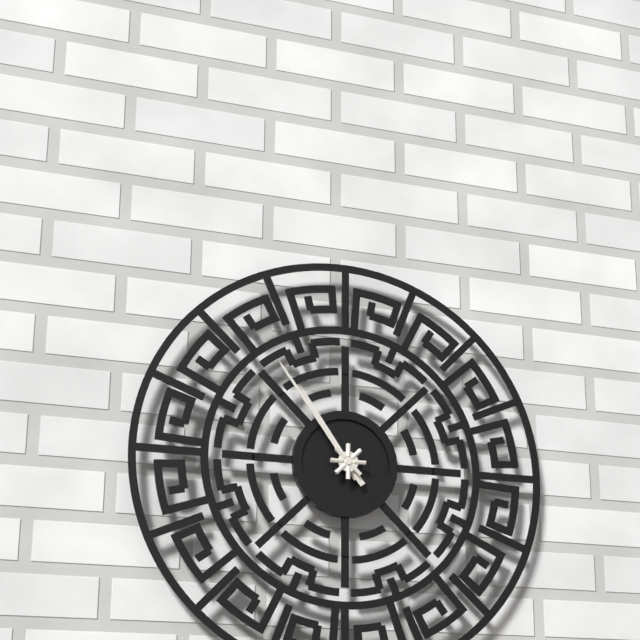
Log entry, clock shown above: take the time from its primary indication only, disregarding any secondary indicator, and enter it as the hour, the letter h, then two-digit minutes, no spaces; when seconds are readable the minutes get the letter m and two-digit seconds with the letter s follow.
10h54
